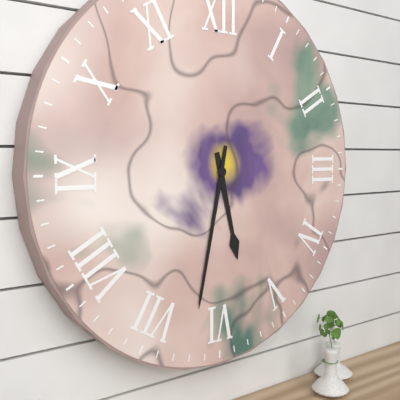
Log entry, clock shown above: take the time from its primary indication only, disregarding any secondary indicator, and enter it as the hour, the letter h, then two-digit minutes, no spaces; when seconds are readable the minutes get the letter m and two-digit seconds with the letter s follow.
5h32
